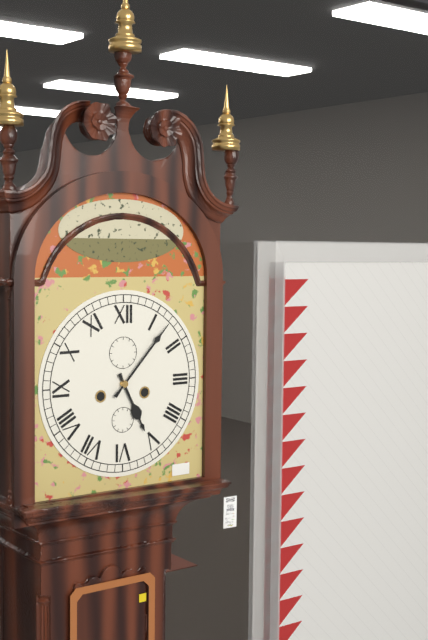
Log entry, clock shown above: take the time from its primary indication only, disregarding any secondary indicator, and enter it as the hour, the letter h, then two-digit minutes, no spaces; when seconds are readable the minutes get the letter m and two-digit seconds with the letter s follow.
5h07
